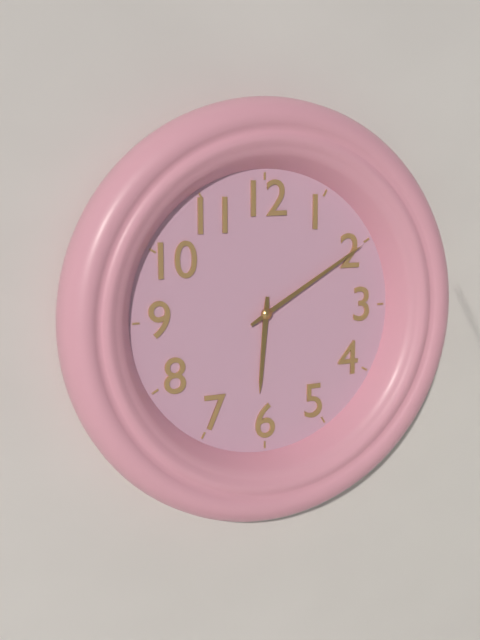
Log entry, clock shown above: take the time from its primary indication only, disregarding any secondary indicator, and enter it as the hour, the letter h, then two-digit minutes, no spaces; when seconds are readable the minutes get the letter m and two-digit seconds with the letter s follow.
6h10
